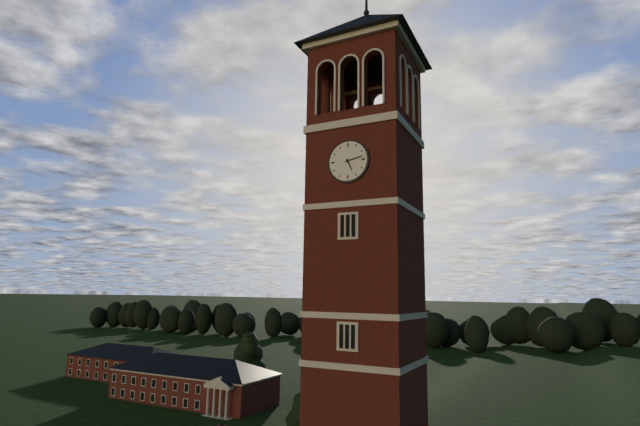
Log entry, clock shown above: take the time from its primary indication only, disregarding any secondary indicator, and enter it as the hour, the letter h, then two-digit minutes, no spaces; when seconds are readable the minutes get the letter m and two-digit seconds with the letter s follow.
5h13
